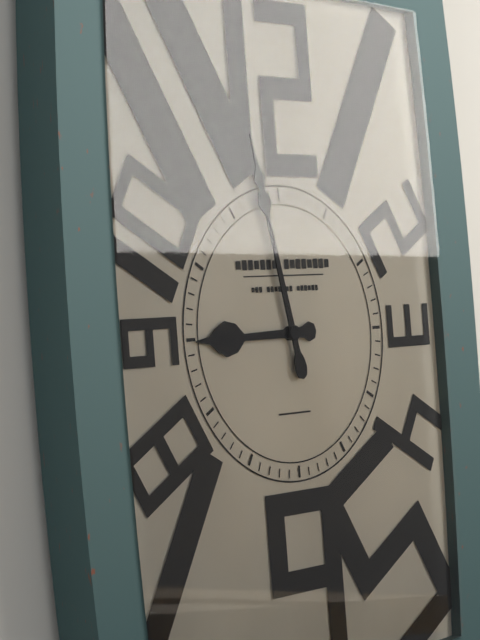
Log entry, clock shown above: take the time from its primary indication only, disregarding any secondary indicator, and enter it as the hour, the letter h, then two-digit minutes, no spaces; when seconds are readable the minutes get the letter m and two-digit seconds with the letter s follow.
8h58
